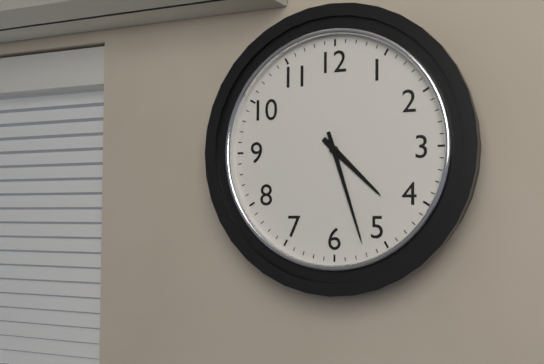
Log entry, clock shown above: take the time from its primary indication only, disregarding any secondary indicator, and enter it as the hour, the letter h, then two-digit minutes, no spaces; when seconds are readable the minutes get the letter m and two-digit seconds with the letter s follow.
4h27
